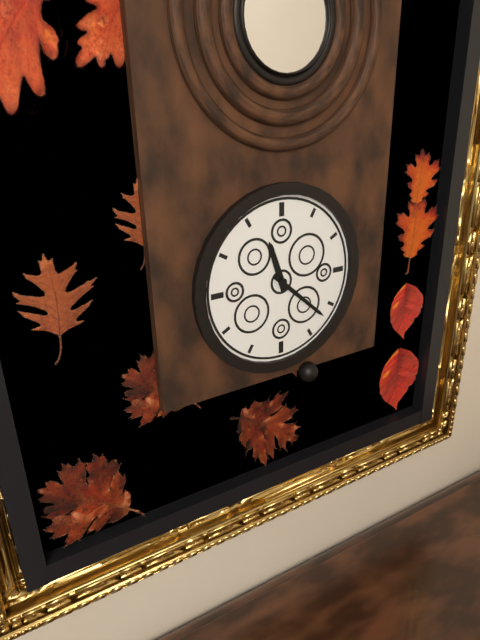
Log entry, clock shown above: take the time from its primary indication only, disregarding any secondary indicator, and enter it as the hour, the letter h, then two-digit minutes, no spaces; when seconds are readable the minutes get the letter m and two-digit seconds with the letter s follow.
11h22
